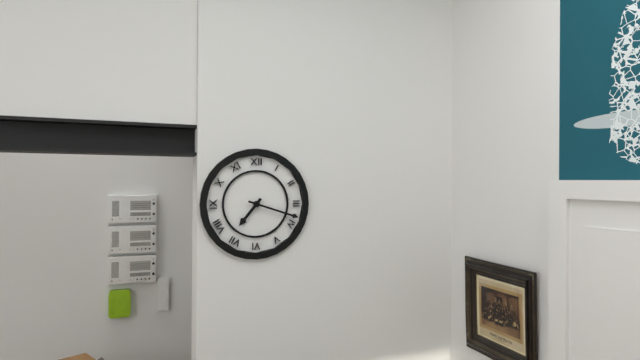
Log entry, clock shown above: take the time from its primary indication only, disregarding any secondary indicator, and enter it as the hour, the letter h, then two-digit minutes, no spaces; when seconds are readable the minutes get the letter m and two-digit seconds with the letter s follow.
7h18
